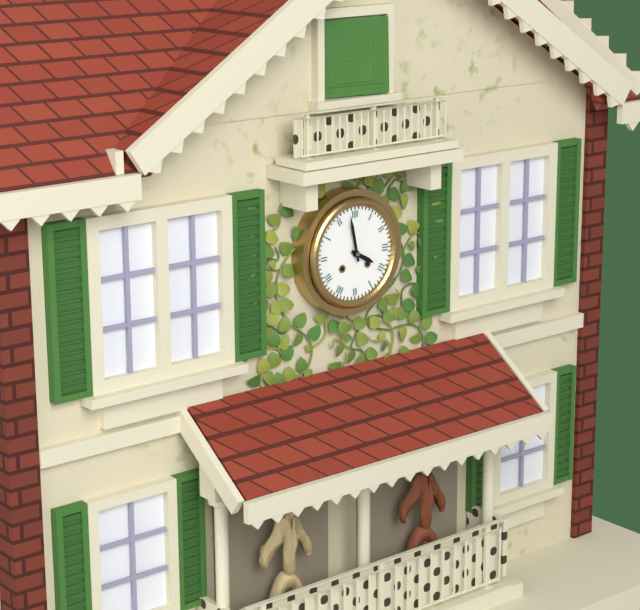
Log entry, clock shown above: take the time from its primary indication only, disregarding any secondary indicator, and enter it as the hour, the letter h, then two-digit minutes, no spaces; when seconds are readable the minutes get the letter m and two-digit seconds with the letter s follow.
3h58
